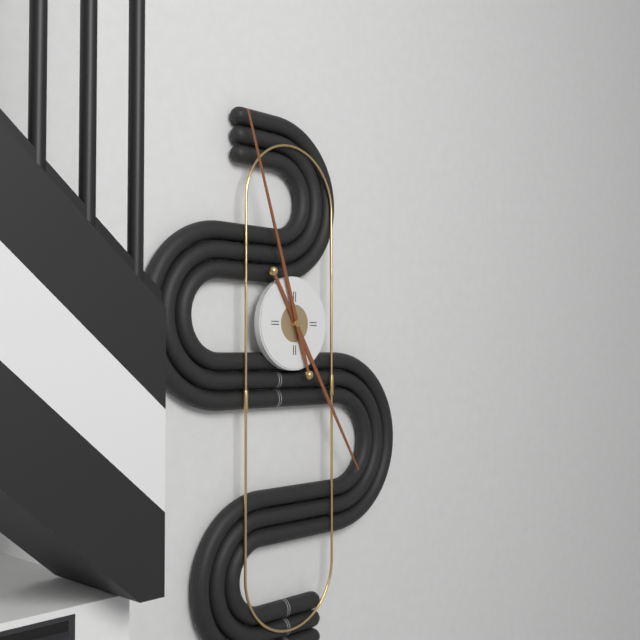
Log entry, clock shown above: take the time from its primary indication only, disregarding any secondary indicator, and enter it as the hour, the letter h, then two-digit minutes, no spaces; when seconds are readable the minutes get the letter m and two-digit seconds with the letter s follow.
4h57
